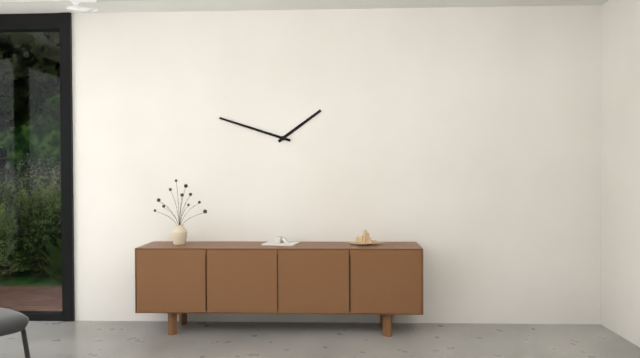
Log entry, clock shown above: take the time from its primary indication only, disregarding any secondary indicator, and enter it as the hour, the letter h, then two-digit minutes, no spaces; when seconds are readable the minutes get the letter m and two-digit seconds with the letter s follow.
1h48
